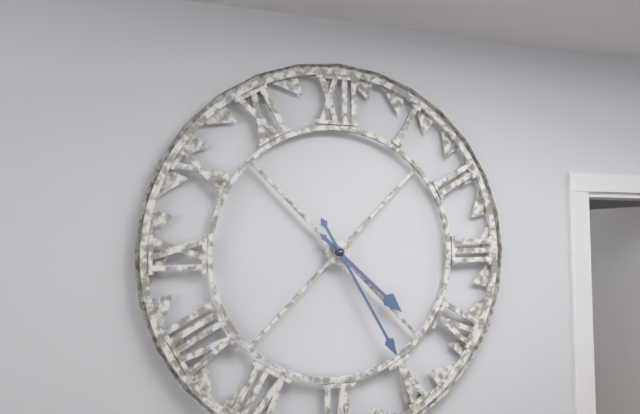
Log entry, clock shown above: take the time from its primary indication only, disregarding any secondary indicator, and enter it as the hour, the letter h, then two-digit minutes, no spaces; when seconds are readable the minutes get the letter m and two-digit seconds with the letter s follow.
4h25
